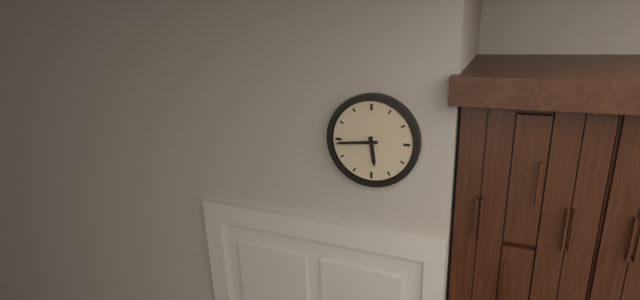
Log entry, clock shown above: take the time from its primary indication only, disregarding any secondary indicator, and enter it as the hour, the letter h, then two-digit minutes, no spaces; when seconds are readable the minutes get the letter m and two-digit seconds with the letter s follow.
5h44
